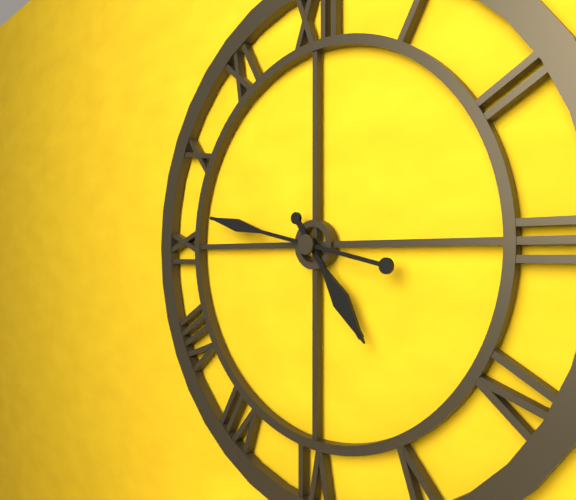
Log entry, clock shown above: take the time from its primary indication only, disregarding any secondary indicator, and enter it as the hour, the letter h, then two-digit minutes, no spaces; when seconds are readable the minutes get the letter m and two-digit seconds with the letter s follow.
4h47
